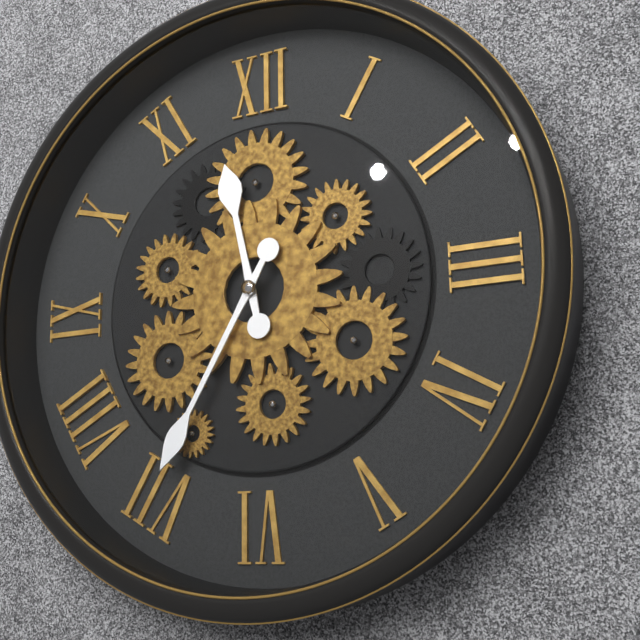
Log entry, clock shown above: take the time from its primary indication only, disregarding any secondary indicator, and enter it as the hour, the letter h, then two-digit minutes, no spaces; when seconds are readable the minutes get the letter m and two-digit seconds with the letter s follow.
11h35
